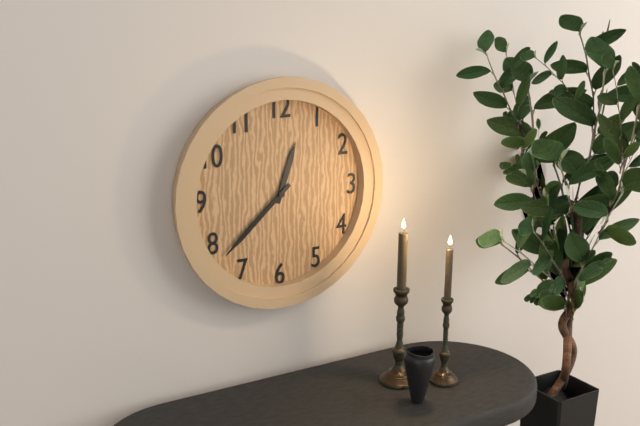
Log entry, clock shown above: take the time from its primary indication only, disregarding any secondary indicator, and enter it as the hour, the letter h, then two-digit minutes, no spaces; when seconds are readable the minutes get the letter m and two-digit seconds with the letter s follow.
12h38
